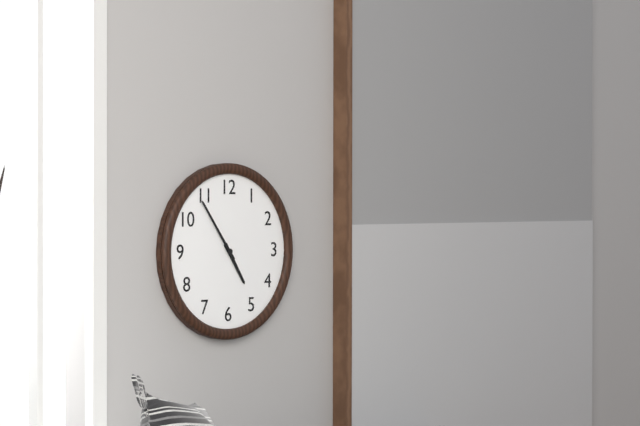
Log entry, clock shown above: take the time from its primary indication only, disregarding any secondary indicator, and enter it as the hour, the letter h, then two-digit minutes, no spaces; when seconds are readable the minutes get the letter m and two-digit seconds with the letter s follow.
4h54
